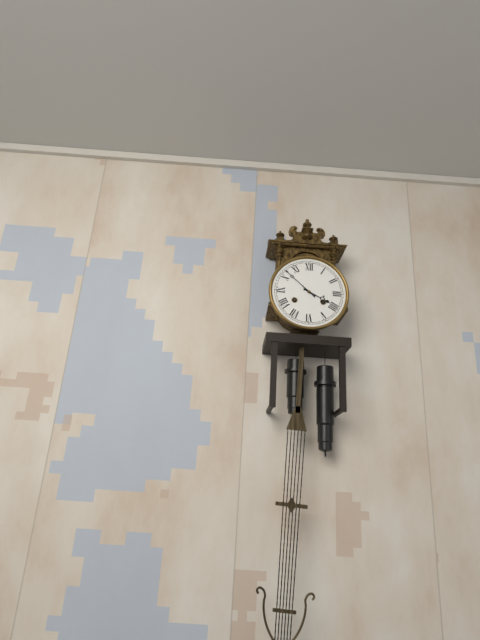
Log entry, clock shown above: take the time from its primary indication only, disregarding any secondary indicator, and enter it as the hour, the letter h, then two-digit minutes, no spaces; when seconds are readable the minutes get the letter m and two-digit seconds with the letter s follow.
3h52
